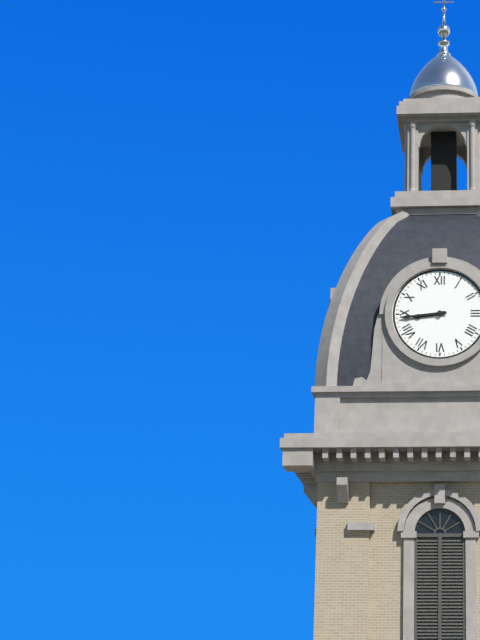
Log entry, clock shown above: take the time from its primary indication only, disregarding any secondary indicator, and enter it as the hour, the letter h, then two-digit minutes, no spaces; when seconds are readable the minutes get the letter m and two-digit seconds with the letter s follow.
8h44
